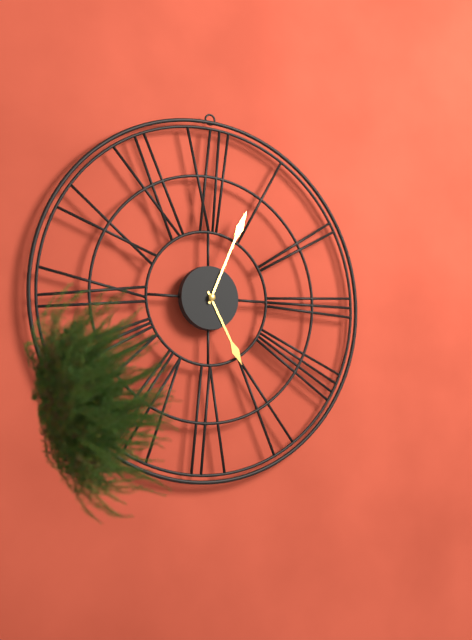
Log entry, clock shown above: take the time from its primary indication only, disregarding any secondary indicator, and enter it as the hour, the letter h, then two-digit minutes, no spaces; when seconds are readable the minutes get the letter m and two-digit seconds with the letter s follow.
5h04
